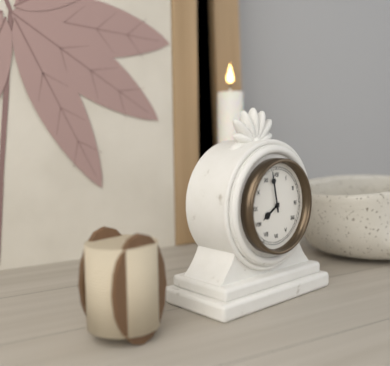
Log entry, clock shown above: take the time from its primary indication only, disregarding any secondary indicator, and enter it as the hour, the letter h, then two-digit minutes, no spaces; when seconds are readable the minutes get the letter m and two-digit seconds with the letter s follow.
7h58
